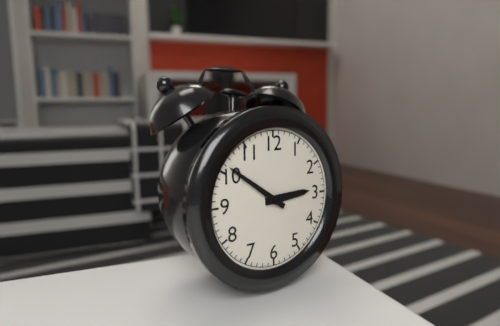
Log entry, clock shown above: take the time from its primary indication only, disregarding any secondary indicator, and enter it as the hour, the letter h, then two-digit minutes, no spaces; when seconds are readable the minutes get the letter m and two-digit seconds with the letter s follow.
2h51
